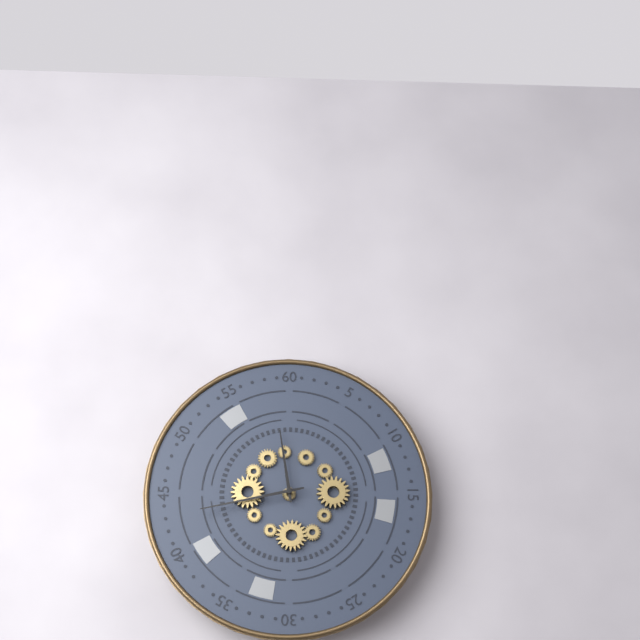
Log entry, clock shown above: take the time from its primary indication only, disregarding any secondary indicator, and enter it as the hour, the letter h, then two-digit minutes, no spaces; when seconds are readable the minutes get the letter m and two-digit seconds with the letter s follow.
11h43
